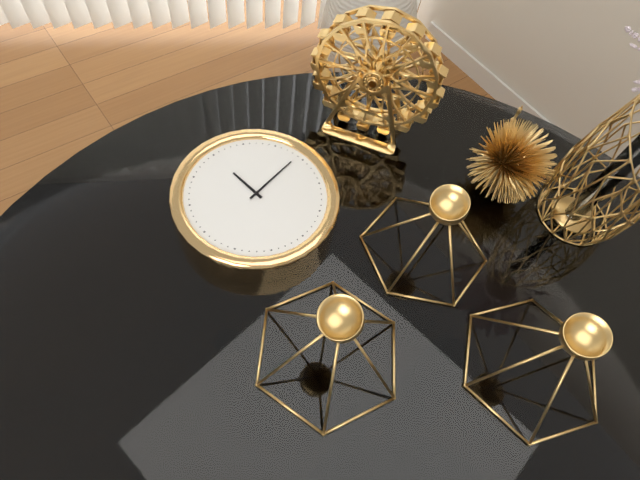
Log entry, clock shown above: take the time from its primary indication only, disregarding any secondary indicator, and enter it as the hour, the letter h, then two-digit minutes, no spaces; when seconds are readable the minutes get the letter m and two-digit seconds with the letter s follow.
8h59
